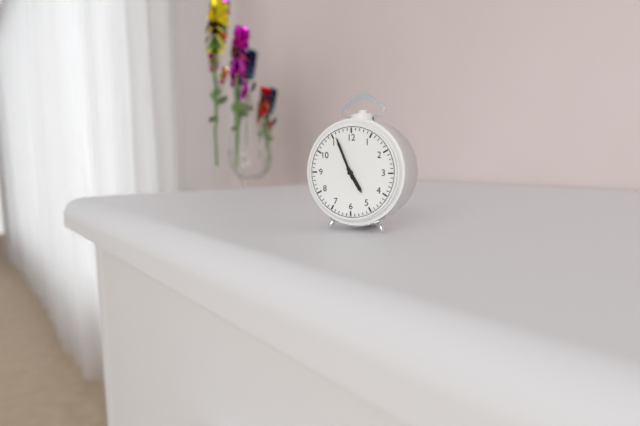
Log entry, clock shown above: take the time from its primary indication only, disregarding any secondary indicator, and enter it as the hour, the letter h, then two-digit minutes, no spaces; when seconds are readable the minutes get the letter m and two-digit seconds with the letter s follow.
4h56
